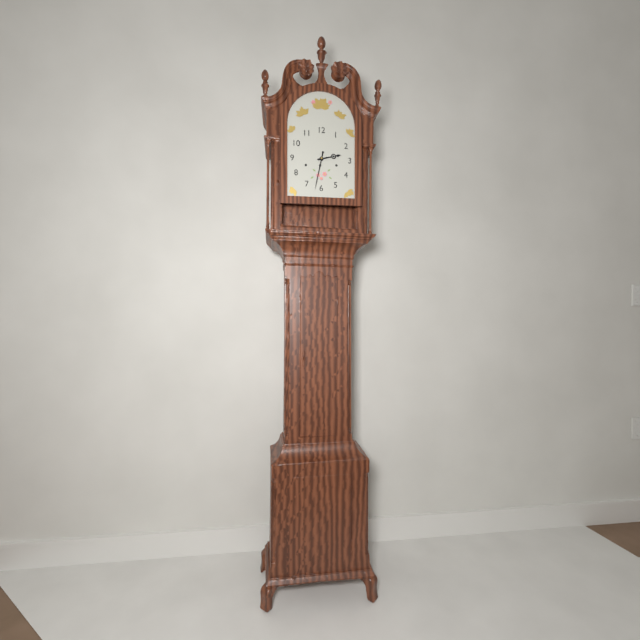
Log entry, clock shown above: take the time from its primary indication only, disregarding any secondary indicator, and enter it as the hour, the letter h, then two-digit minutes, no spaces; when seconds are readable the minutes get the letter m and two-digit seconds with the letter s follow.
2h32
